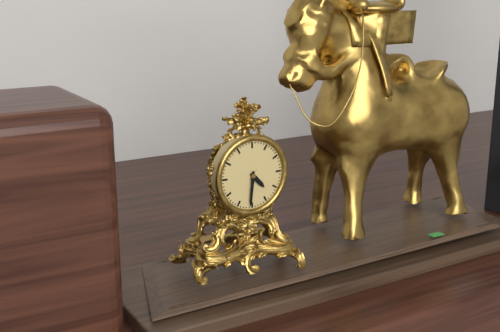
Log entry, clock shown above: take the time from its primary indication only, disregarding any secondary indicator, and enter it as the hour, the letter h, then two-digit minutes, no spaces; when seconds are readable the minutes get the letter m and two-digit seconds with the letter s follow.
4h31
